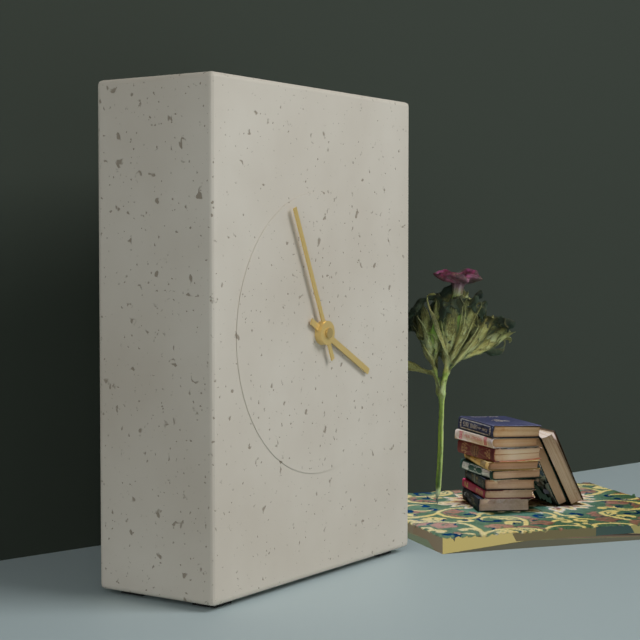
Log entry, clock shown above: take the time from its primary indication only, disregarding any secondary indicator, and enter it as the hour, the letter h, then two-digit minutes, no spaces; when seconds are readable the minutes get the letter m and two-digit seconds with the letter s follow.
3h56
